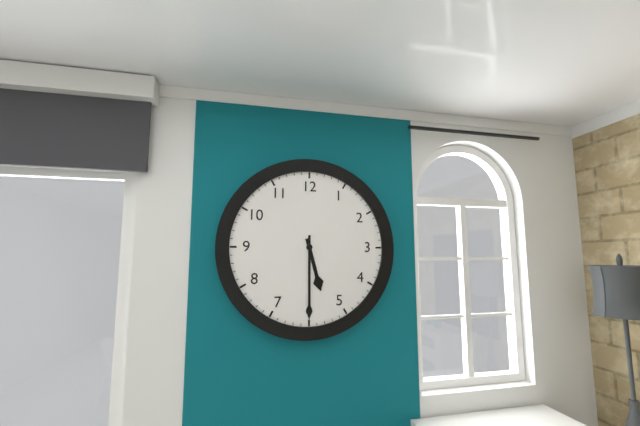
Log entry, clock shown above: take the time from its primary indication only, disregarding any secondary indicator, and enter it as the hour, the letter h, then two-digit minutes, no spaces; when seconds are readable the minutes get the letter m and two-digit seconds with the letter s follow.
5h30
